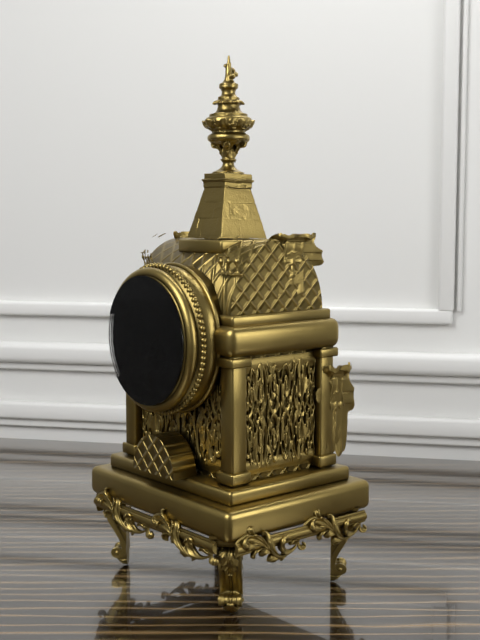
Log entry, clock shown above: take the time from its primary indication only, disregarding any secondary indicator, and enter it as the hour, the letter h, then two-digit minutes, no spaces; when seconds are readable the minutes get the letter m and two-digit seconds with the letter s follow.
6h02
